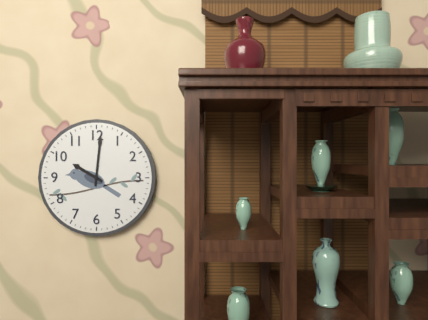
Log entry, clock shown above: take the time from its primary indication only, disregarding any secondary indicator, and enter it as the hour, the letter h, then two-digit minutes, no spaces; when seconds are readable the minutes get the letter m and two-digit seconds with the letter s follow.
10h01
